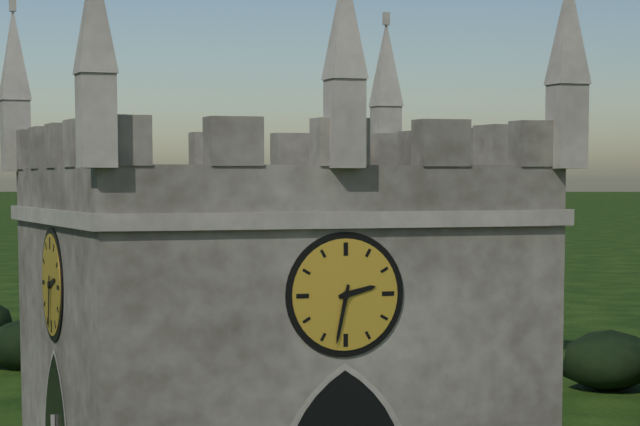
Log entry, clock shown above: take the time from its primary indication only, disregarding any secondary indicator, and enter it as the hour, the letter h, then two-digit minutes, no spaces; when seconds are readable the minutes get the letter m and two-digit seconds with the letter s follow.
2h32
